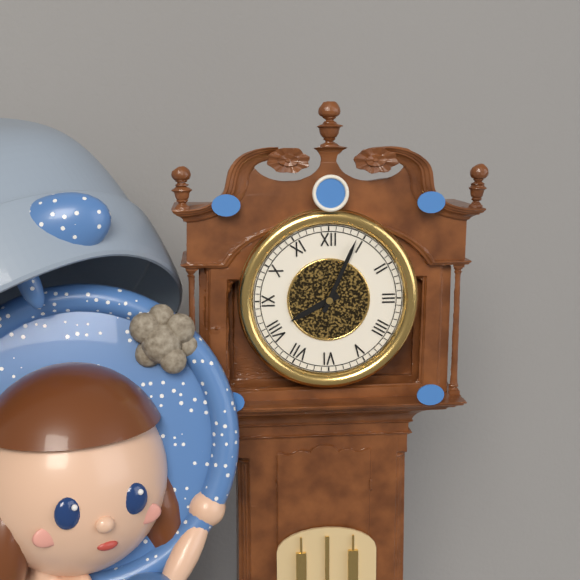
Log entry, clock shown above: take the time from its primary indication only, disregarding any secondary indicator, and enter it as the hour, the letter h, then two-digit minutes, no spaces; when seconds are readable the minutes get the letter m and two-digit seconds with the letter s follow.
8h04
